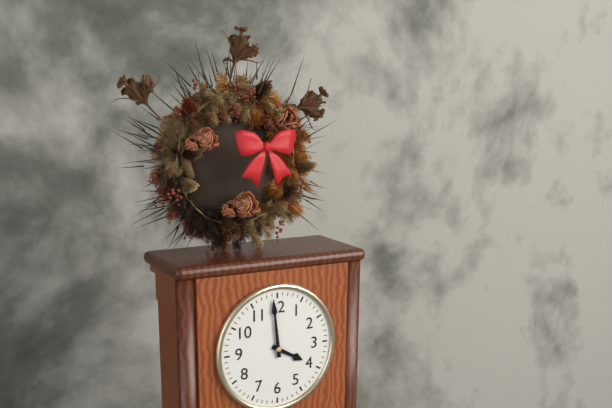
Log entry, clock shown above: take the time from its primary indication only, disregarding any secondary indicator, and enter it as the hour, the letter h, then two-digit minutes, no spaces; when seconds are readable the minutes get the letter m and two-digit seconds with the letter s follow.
3h59
